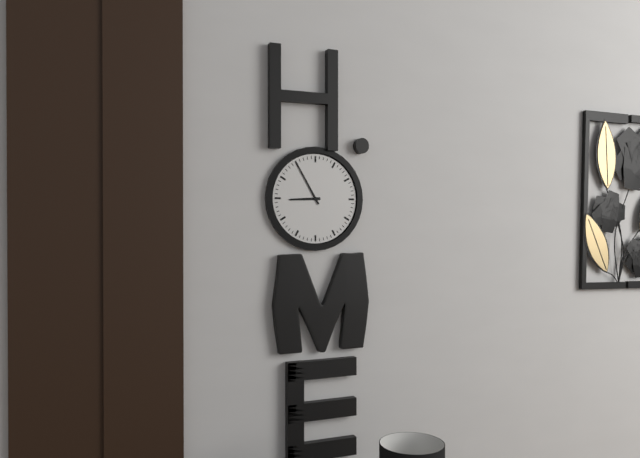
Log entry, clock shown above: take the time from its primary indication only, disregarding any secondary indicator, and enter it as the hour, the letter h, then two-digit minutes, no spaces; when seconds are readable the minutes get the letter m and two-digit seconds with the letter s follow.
8h55
